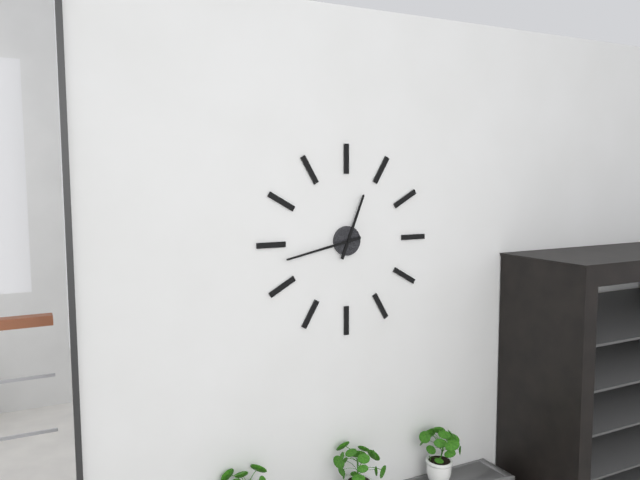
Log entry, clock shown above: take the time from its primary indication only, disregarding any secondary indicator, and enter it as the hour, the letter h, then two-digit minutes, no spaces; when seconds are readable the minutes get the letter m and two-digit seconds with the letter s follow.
12h43
